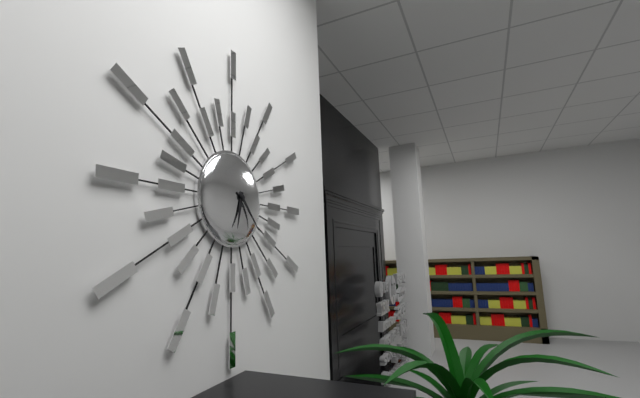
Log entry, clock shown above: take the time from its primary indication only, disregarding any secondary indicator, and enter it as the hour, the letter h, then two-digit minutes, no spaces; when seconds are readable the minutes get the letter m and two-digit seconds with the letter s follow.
6h23
